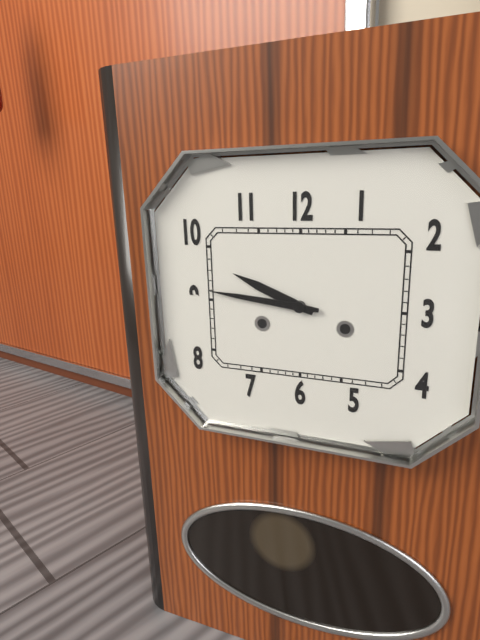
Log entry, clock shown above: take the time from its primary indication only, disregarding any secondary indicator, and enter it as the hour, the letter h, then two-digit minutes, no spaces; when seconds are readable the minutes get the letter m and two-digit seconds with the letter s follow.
9h46
